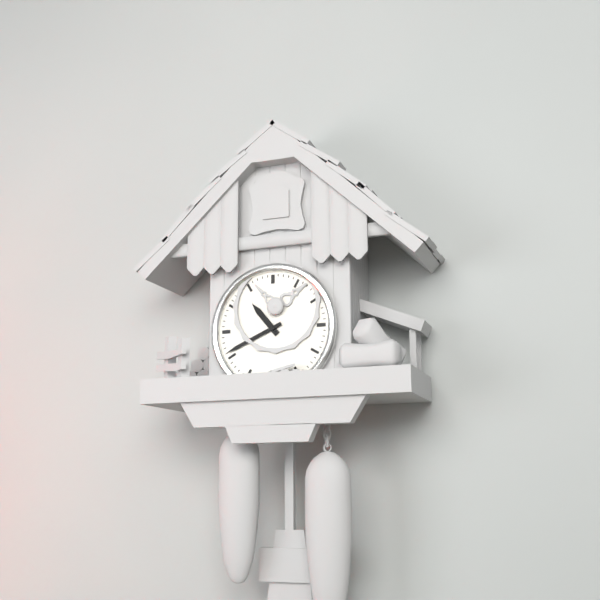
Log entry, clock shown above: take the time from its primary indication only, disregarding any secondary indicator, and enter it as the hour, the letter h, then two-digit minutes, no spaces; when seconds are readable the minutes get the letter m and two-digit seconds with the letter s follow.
10h41
